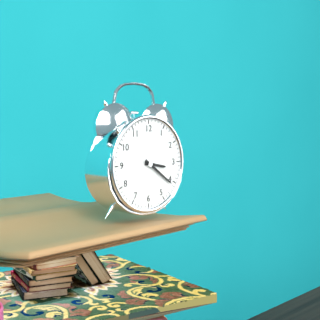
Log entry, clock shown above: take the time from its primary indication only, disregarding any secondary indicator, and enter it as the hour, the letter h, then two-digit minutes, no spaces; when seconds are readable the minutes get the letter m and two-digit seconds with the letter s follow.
3h21
